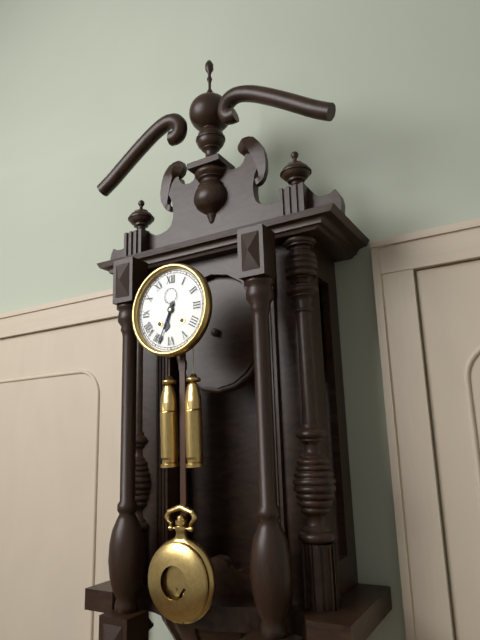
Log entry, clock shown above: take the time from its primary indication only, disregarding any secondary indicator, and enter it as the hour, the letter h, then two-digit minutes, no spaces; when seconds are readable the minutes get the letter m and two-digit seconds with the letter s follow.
6h34
